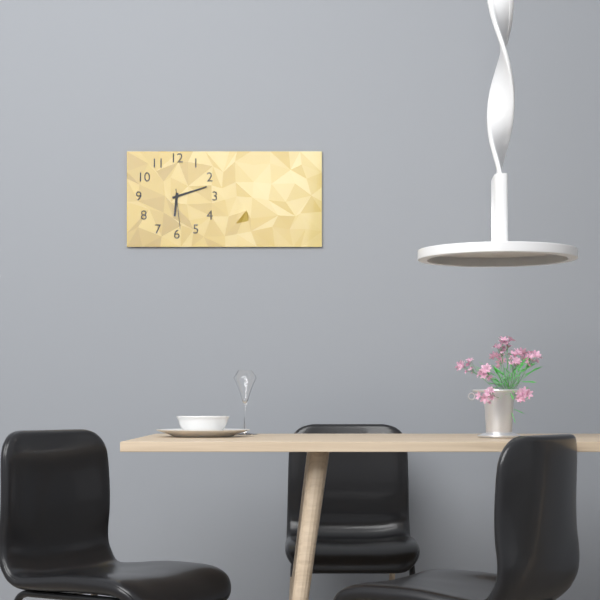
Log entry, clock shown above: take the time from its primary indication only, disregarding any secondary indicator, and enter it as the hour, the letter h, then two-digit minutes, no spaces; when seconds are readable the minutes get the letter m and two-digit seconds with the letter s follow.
6h12
